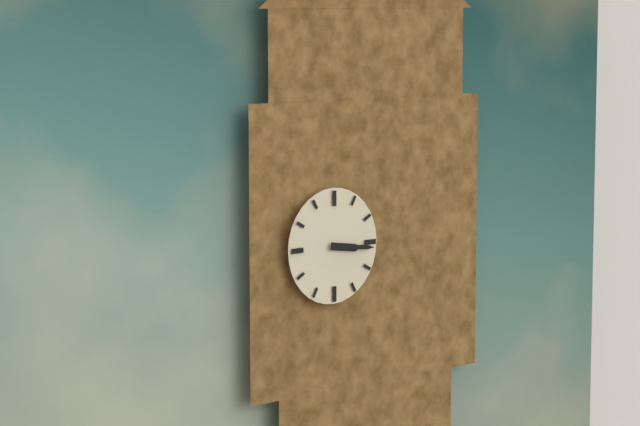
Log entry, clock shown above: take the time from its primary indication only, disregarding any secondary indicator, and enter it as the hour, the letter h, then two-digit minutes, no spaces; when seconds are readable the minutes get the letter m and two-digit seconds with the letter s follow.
3h16
